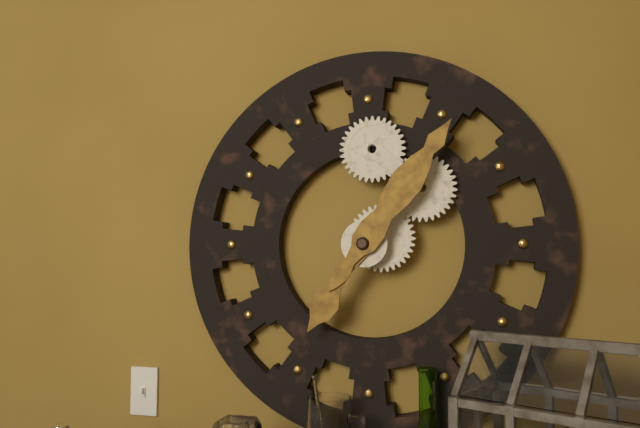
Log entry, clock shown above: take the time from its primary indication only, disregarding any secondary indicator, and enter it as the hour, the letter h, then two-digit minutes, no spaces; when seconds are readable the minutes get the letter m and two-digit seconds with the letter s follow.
7h06
